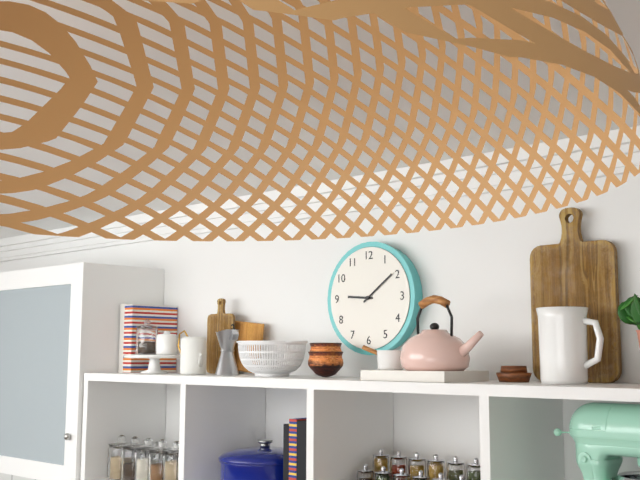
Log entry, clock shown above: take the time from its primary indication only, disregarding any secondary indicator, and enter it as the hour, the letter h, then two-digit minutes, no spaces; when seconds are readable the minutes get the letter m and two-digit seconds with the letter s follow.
9h09
